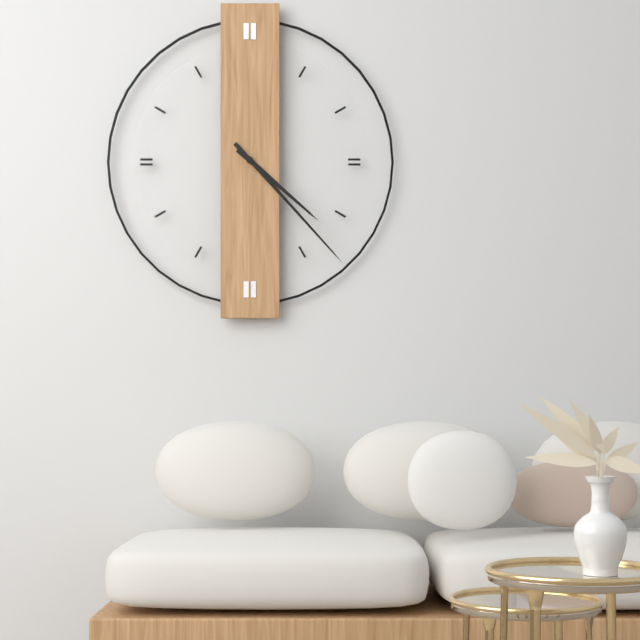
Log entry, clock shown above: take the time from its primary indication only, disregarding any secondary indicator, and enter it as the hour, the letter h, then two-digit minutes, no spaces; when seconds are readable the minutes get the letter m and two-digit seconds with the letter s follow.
4h23
